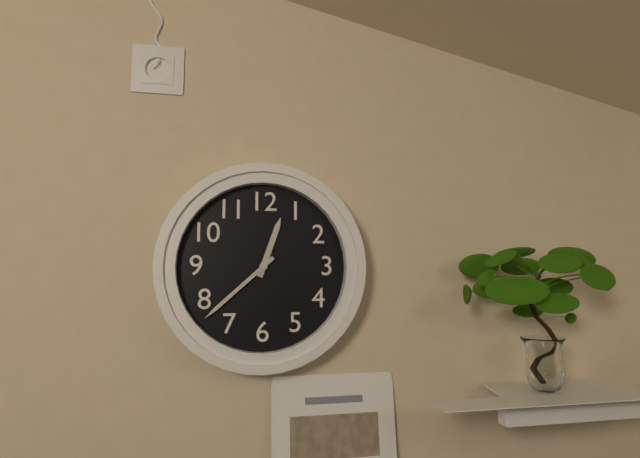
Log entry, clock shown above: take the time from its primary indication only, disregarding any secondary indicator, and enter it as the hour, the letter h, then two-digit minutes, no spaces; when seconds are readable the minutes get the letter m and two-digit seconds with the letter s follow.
12h38
